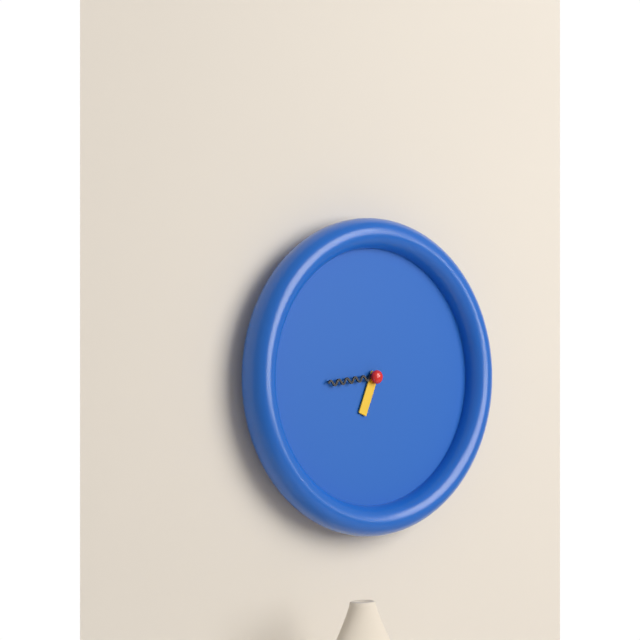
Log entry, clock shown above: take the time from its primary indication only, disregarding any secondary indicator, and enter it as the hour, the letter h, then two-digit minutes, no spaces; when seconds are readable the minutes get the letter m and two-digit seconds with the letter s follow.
6h44
